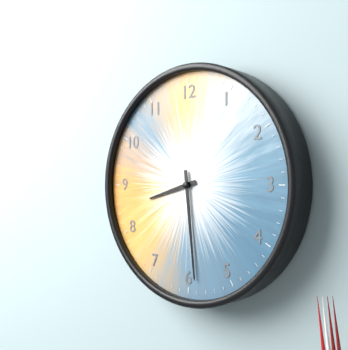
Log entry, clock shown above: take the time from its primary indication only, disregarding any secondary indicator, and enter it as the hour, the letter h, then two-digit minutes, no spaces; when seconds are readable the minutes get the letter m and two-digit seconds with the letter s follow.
8h29
